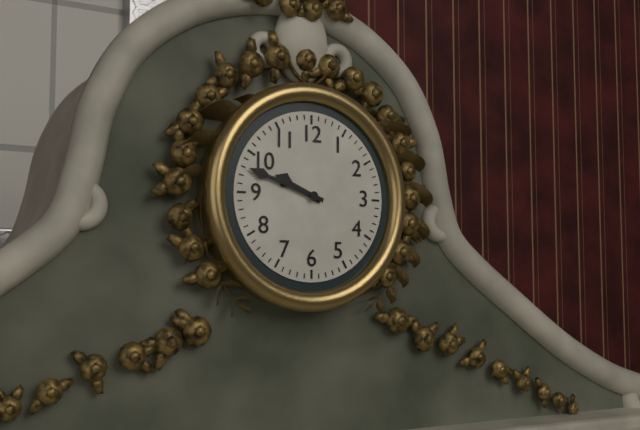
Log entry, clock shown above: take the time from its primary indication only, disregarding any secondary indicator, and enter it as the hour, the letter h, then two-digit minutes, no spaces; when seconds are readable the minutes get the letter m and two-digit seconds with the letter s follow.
9h48
